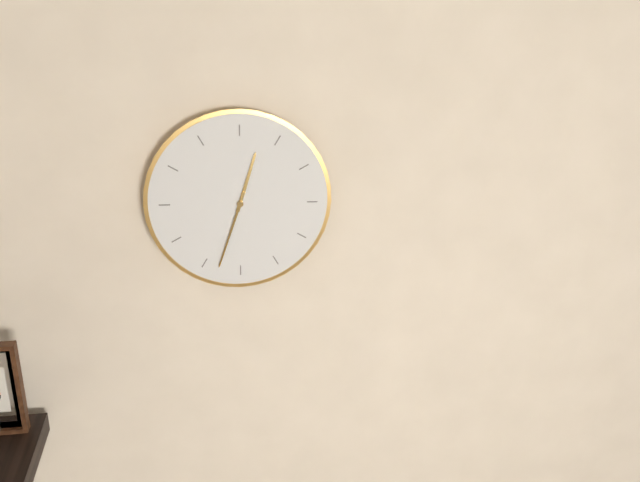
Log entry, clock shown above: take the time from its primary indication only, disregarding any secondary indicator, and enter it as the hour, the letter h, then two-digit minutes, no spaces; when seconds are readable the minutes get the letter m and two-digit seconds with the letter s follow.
12h33
